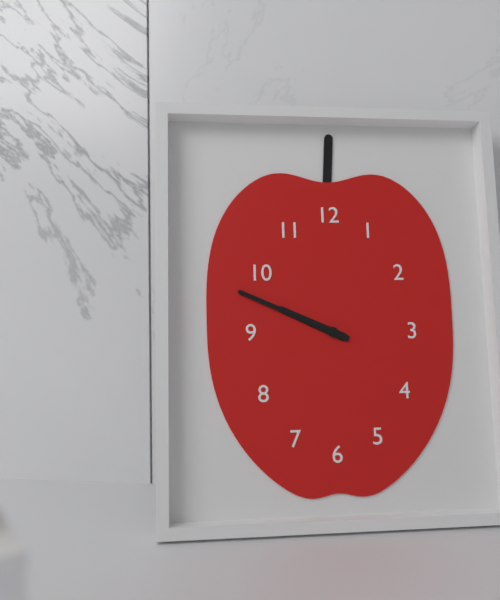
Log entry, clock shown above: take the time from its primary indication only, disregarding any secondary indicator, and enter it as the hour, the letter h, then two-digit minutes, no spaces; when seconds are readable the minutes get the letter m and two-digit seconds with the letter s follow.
9h49
